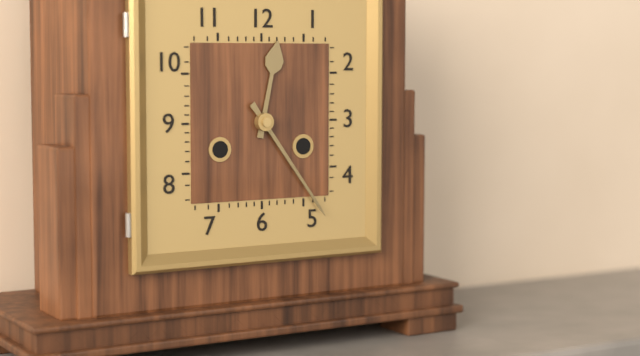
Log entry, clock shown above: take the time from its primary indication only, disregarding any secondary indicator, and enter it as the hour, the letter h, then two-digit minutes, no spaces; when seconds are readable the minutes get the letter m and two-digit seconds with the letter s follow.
12h24
